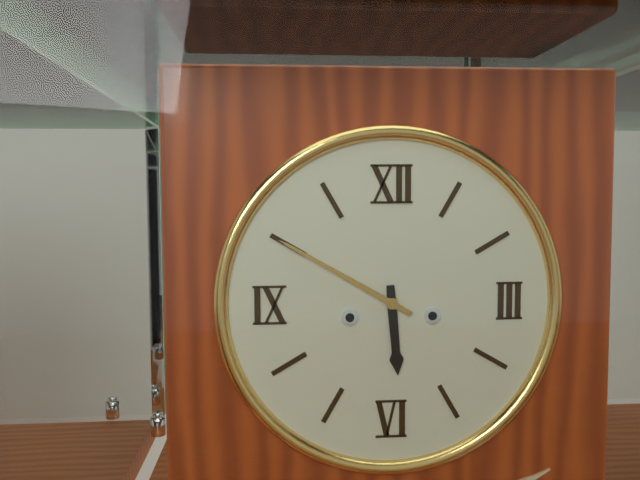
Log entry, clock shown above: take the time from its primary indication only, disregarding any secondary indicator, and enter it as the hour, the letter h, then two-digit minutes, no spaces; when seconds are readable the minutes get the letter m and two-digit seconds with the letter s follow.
5h50
